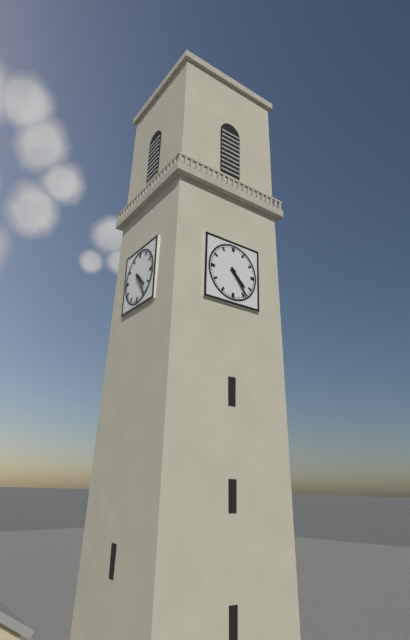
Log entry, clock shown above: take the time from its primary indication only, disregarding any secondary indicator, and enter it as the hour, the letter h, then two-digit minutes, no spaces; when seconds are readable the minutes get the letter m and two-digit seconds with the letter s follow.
4h24
